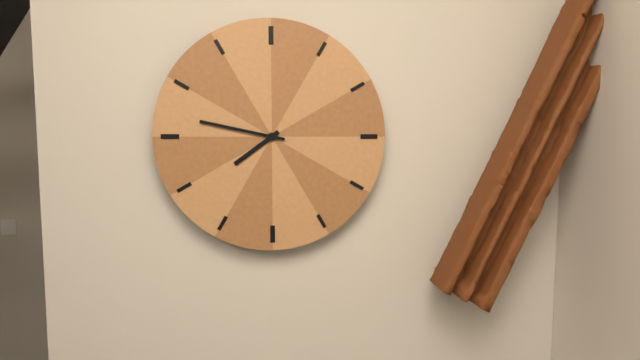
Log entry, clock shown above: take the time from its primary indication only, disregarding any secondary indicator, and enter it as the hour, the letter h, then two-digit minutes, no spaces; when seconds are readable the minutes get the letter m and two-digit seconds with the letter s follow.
7h47
